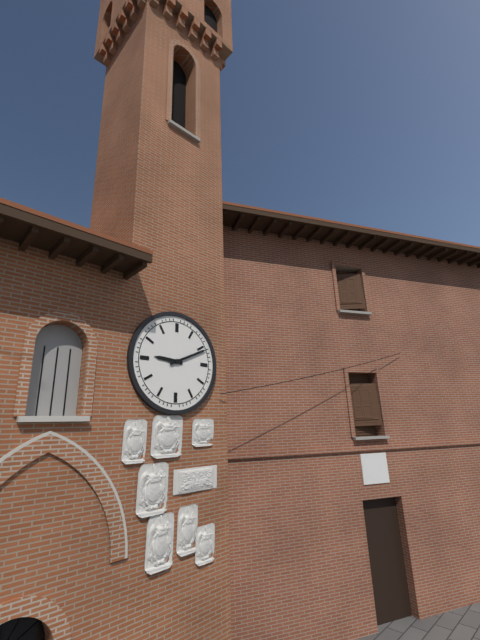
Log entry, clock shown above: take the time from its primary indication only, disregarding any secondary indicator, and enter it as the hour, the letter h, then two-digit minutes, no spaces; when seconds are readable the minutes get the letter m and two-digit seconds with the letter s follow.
9h11
